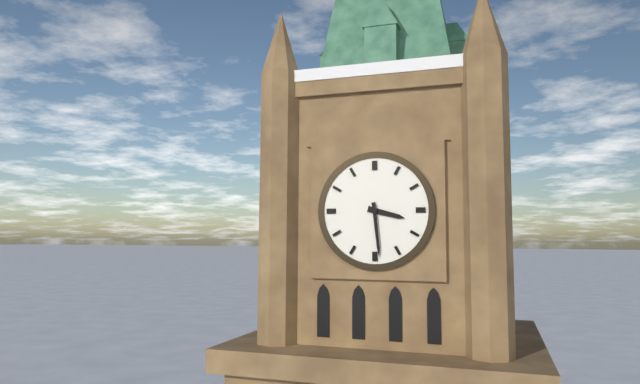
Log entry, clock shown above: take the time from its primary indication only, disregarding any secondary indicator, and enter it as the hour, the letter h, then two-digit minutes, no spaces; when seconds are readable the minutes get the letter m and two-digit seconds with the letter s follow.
3h29
